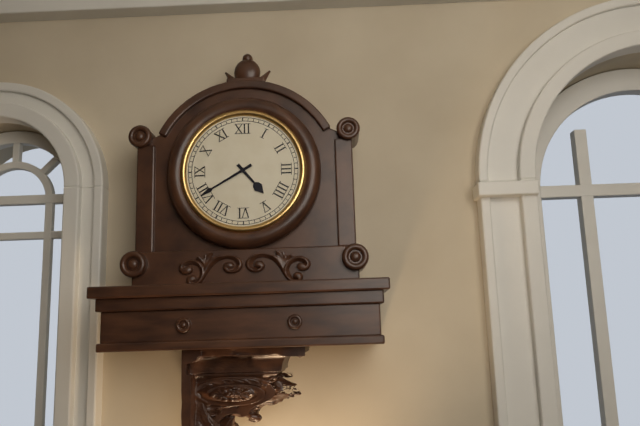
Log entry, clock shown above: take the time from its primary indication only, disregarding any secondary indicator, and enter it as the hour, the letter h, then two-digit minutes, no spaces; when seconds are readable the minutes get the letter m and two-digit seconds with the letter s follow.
4h40
